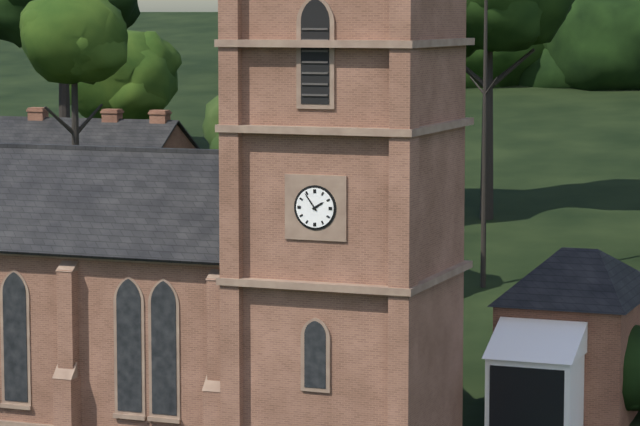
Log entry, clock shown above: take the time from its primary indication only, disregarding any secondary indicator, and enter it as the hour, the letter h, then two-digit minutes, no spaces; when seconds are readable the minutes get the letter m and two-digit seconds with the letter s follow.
1h54
